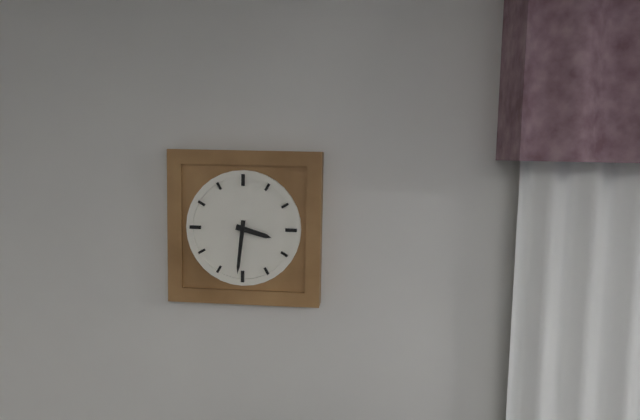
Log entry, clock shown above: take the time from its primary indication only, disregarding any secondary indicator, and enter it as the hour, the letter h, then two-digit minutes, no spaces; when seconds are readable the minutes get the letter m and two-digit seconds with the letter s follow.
3h31
